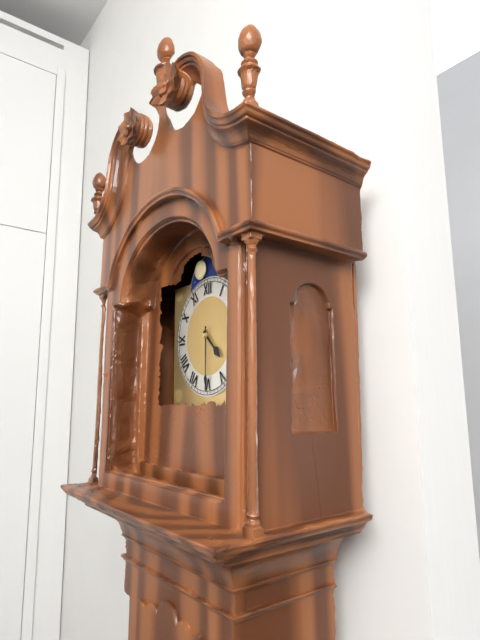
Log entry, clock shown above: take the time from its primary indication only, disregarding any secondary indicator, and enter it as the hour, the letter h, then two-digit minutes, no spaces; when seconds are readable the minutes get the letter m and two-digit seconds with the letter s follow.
4h30
